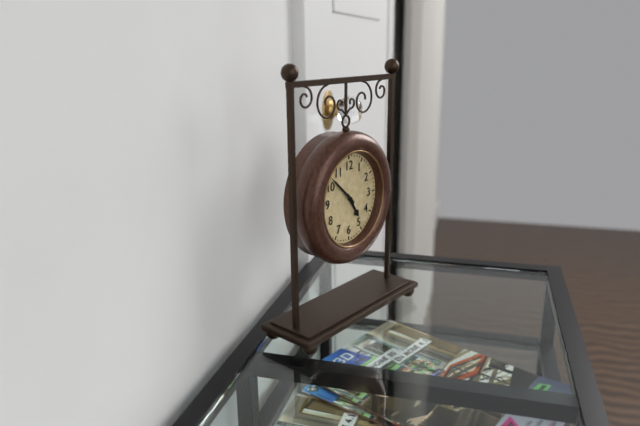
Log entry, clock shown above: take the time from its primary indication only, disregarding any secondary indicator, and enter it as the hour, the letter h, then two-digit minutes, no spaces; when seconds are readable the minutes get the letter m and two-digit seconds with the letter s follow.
4h52
